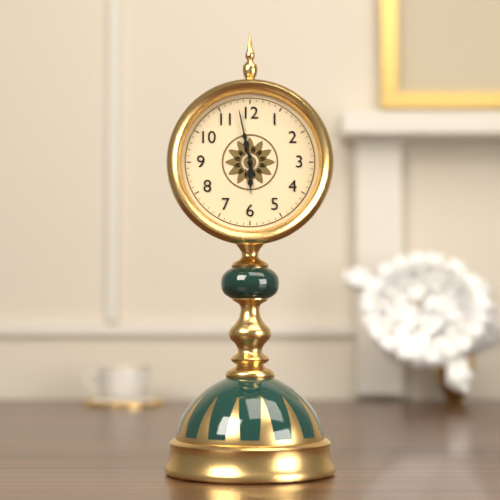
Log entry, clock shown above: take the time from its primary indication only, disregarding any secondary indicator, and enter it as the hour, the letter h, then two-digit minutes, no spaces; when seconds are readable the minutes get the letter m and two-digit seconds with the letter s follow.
5h58
